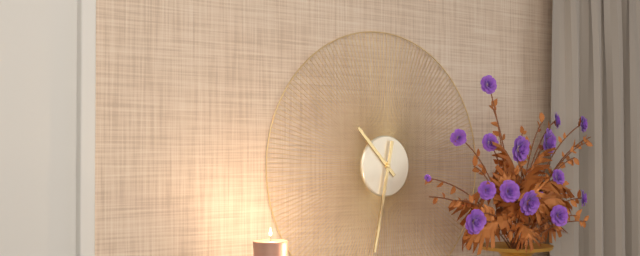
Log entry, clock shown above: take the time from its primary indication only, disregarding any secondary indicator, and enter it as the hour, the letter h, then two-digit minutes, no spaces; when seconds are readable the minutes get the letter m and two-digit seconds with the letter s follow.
10h32
